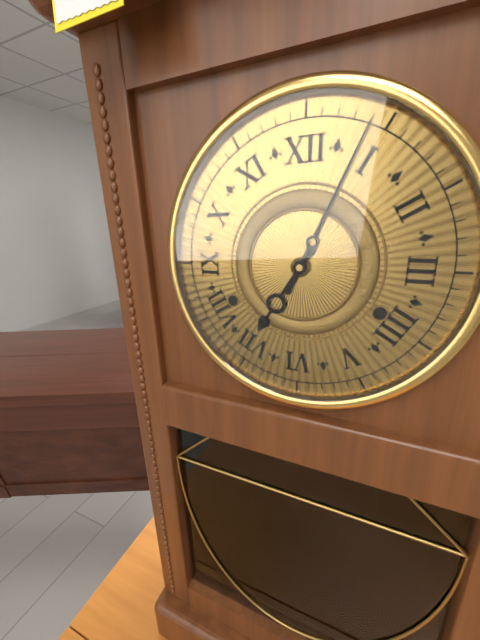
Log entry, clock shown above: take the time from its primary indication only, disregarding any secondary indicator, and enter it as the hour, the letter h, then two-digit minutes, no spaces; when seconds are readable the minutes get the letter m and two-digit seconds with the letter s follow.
7h04
